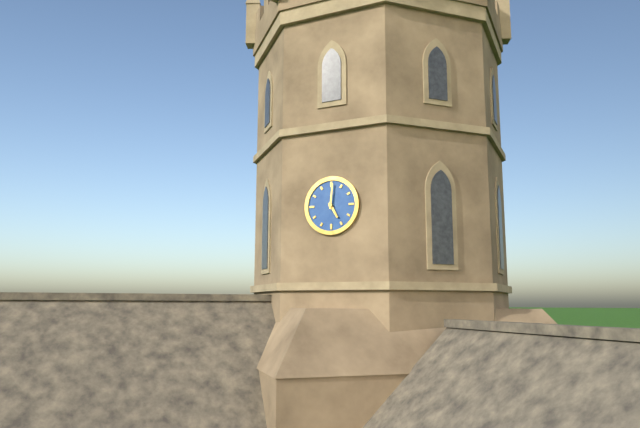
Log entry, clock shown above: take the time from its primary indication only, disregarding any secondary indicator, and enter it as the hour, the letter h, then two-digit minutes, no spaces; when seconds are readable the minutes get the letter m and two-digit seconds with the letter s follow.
5h01
